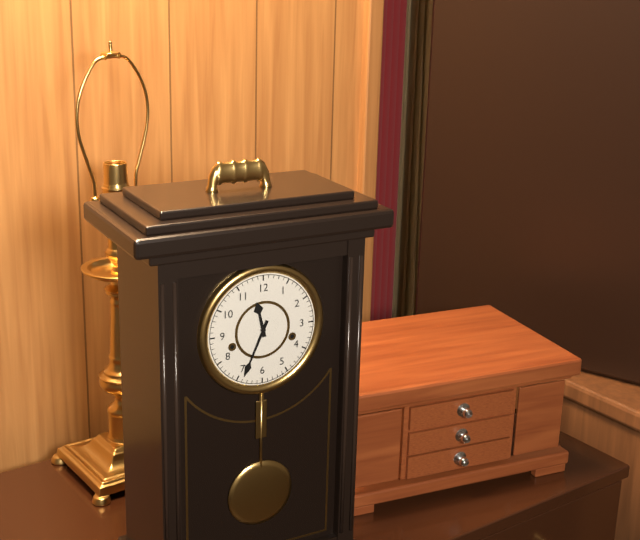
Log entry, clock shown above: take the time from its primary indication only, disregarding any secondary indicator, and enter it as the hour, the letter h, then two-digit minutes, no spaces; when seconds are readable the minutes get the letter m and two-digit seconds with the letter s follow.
11h34
